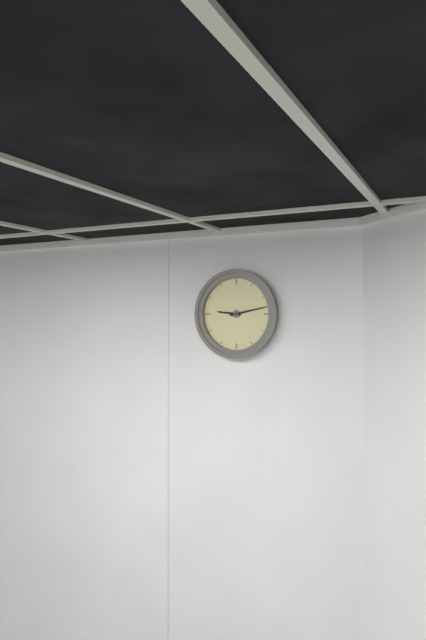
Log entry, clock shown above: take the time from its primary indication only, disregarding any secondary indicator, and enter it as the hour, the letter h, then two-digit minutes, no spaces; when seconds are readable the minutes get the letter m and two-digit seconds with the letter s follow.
9h13
